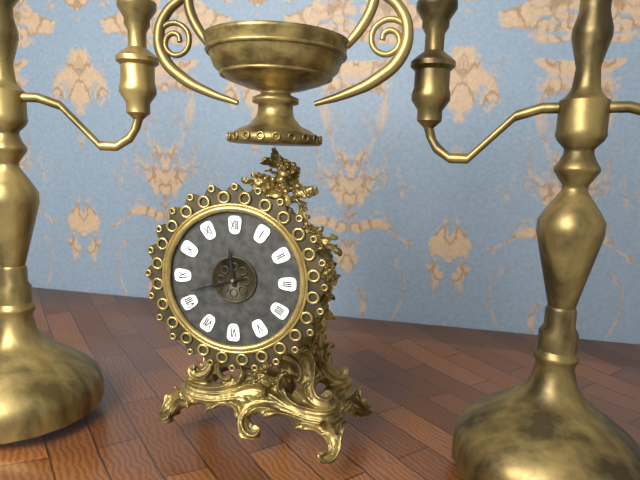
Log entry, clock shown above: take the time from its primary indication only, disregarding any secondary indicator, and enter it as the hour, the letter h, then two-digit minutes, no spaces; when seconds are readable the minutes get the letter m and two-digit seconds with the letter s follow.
11h42
